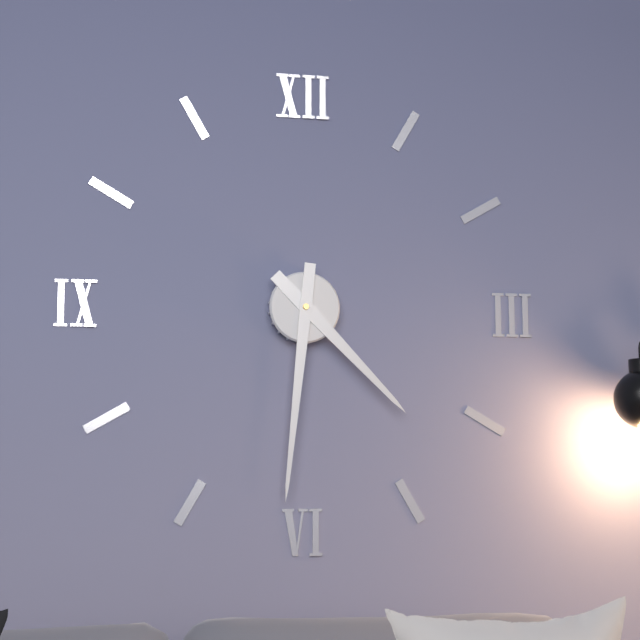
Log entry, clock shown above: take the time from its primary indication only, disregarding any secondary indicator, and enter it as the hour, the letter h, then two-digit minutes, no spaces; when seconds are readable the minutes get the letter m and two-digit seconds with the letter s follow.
4h31
